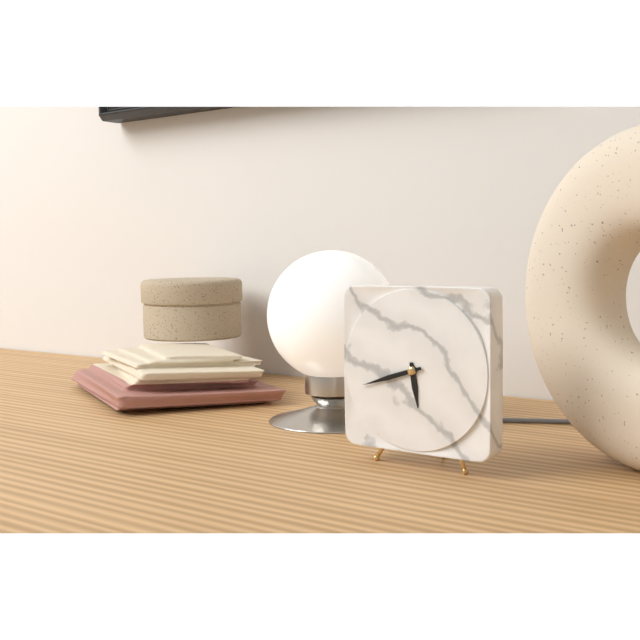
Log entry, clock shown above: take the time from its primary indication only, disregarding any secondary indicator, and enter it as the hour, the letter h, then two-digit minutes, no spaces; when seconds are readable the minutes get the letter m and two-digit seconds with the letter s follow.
5h42
